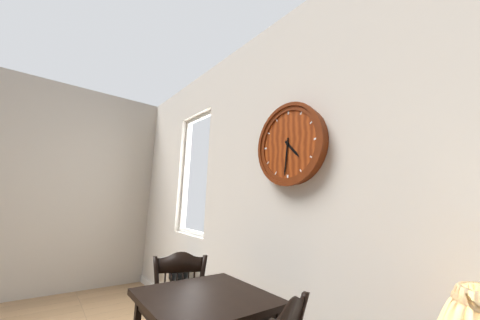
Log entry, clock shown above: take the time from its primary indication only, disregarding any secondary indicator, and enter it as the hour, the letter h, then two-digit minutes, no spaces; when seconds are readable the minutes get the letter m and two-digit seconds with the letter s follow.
4h31
